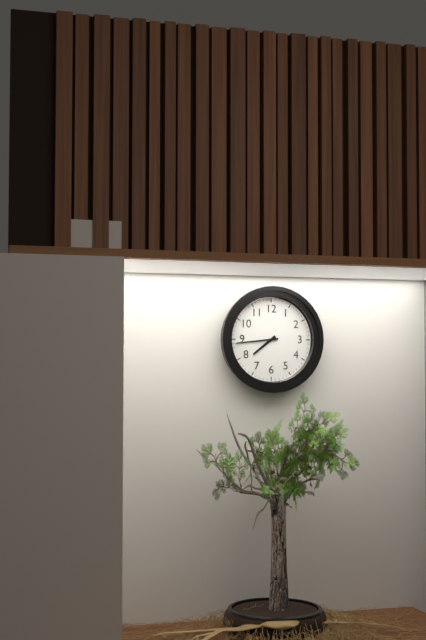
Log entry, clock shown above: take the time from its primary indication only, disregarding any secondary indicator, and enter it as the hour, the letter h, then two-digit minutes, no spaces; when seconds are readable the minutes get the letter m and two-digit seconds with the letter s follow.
7h44
